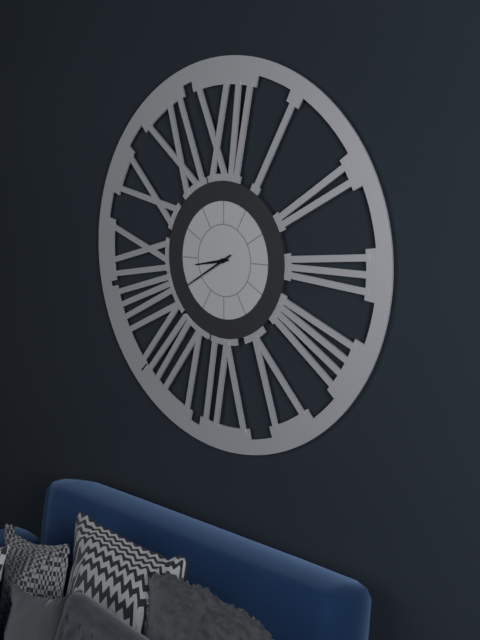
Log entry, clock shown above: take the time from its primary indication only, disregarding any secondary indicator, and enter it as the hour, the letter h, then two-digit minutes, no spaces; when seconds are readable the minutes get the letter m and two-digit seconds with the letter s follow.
8h40
